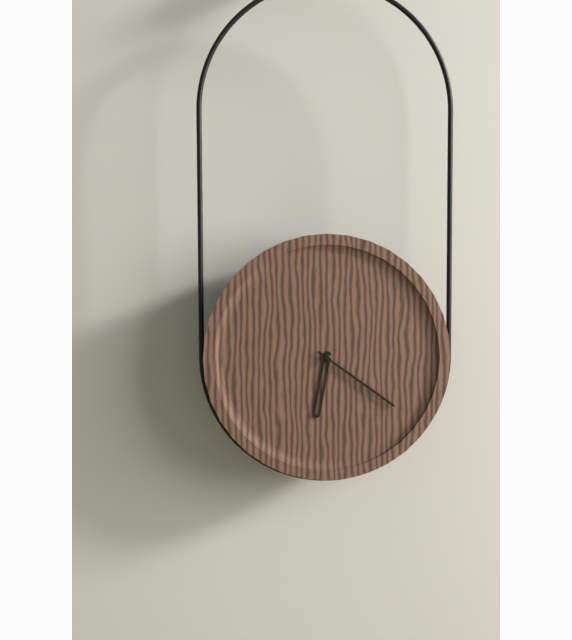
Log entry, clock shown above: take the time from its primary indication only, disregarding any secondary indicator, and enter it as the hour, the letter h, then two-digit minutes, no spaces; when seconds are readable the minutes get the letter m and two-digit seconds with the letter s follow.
6h21
